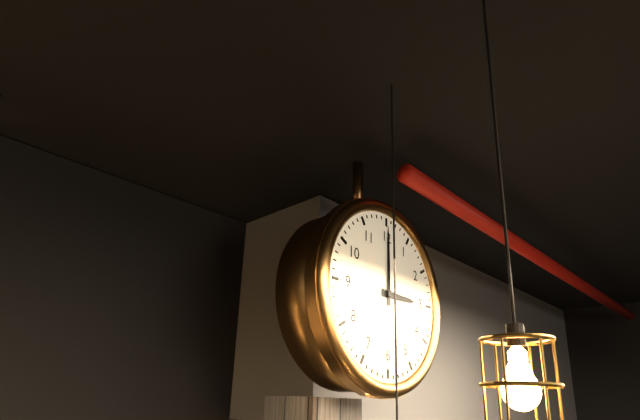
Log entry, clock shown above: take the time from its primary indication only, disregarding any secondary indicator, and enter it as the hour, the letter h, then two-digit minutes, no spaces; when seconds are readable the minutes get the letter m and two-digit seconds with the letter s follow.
3h00
